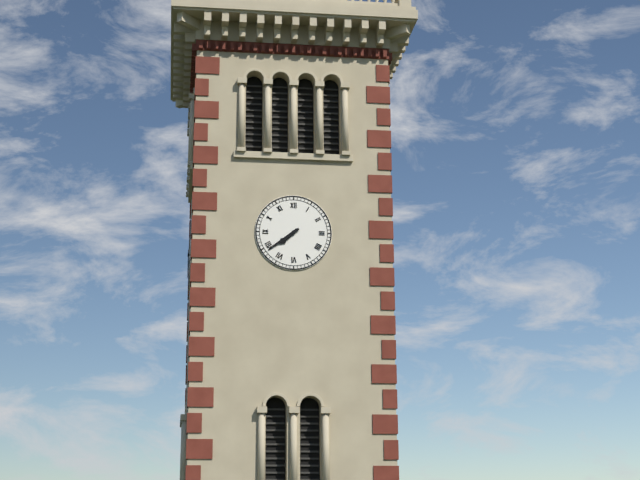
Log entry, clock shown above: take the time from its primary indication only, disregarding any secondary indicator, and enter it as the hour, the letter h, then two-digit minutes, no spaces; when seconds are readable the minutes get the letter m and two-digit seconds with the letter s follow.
7h39
